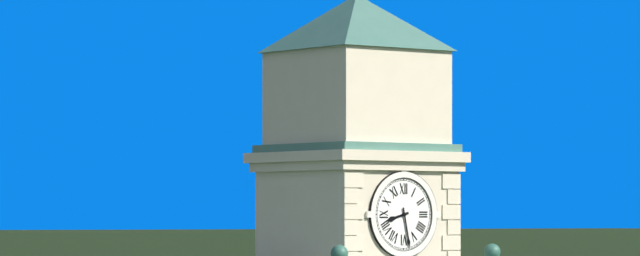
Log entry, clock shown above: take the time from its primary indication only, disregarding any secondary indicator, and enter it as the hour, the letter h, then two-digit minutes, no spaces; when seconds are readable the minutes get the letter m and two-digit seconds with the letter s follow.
8h28
